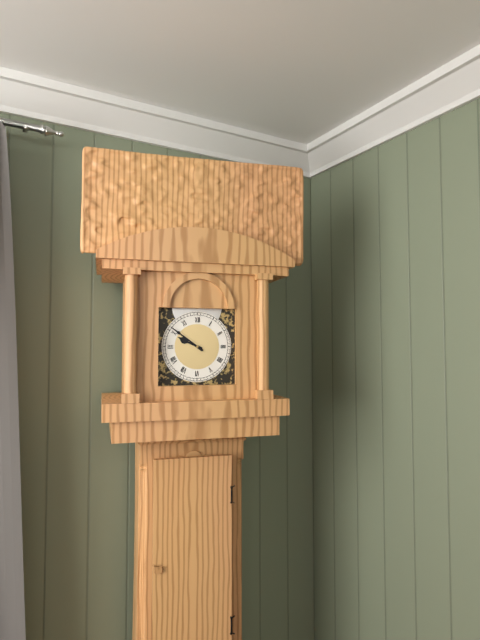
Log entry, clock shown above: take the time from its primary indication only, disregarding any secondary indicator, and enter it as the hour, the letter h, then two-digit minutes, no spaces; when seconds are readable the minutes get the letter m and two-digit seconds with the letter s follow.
9h51
